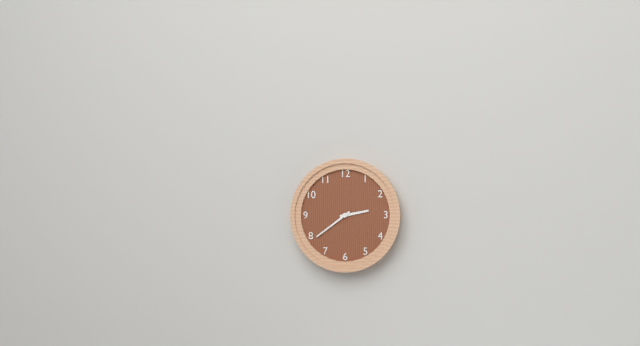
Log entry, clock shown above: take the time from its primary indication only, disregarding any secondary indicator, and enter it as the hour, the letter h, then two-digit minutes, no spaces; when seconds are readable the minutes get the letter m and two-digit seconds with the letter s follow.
2h39
